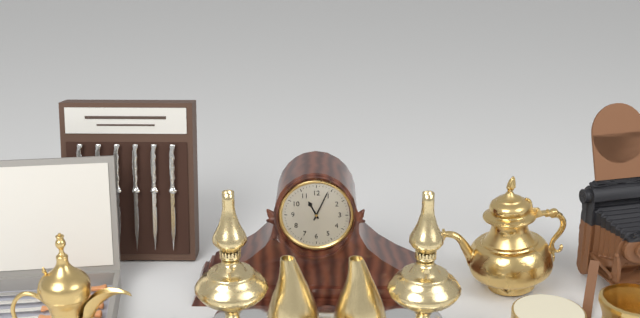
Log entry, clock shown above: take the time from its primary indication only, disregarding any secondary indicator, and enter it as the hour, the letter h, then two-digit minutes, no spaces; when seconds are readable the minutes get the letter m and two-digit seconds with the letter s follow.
11h04
